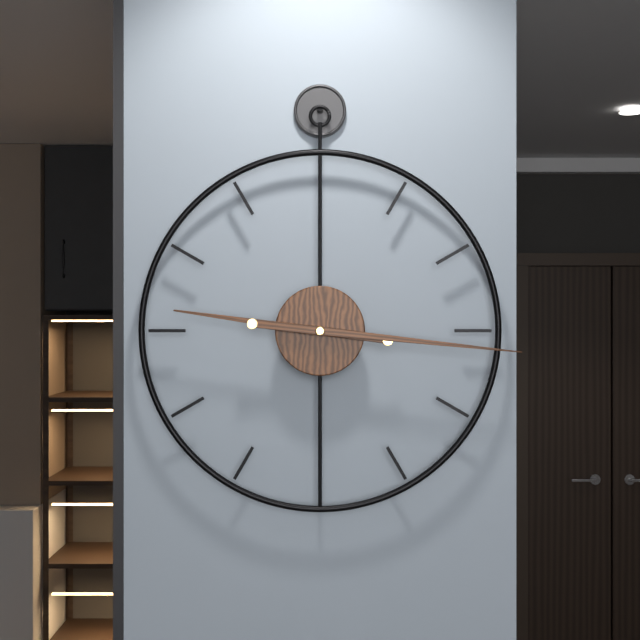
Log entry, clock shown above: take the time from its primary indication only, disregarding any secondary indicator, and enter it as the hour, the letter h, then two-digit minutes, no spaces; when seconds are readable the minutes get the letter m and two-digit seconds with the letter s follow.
9h16
